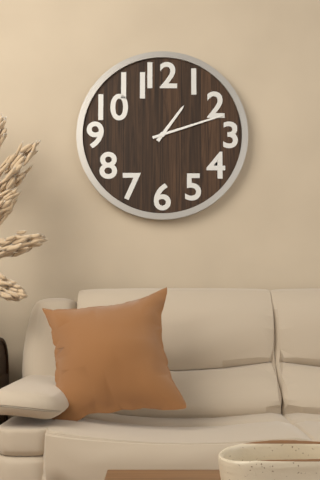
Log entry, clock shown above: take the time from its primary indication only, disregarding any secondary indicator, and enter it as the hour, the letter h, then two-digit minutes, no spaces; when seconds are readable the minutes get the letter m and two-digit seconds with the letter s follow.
1h12
